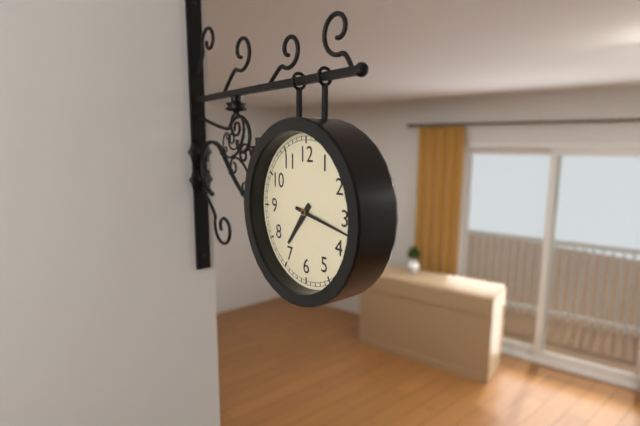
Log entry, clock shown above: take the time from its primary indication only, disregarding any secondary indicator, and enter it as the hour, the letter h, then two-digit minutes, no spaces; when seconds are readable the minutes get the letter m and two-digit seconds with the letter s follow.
7h17
